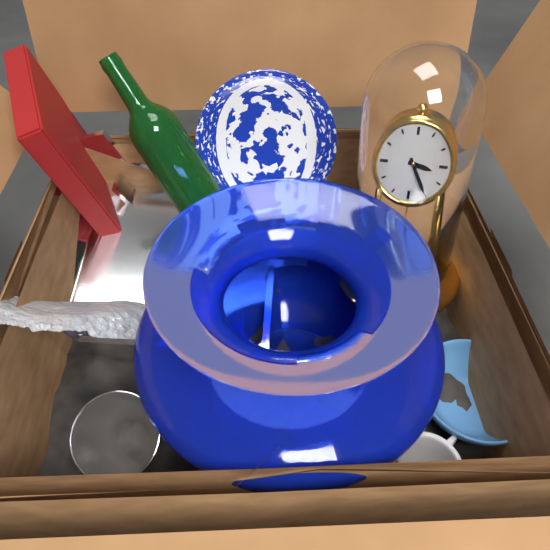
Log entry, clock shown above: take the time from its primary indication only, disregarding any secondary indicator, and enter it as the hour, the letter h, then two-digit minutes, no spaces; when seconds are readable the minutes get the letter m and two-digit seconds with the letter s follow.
3h25
